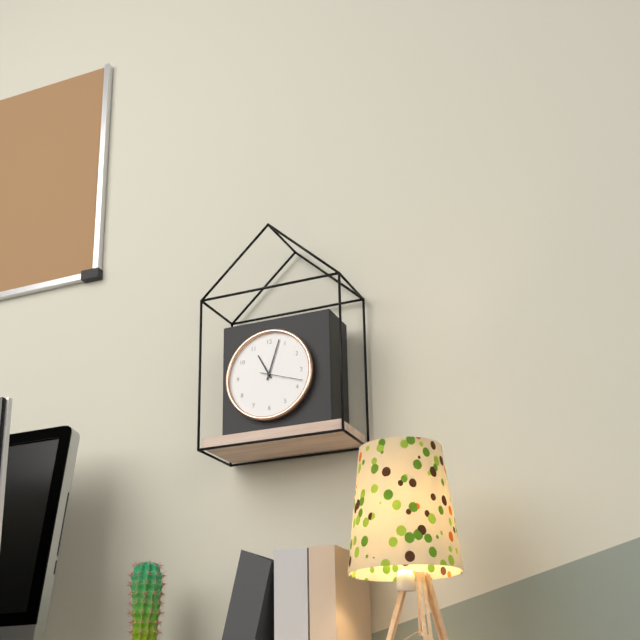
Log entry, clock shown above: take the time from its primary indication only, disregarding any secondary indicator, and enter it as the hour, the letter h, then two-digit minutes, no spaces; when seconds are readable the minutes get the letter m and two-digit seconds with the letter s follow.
11h03
